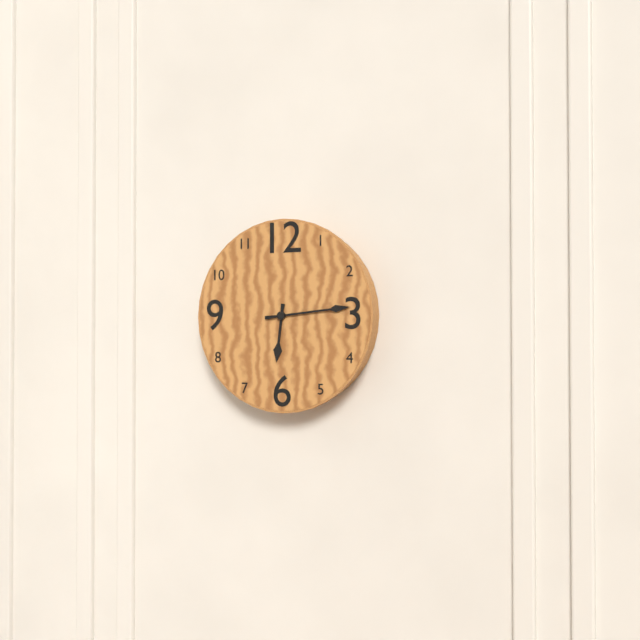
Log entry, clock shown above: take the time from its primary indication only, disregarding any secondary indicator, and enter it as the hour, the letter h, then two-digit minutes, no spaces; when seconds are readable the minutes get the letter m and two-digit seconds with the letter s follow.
6h14
